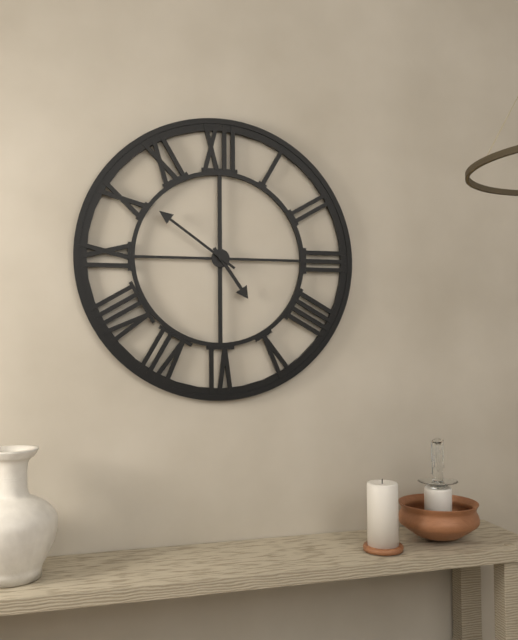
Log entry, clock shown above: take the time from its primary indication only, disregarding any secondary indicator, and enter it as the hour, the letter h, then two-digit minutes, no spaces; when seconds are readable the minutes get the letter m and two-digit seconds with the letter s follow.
4h51
